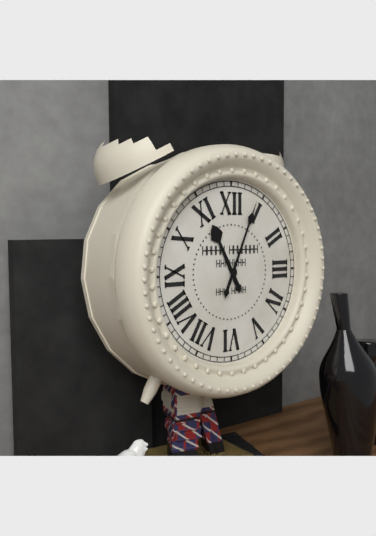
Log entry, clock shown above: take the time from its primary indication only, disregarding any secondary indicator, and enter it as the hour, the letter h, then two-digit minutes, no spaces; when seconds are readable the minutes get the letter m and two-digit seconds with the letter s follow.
11h04
